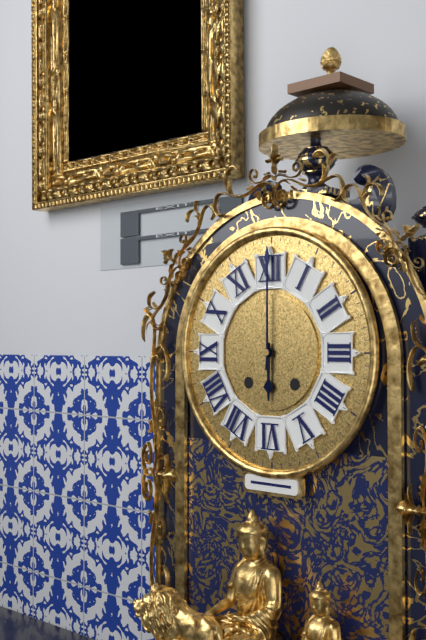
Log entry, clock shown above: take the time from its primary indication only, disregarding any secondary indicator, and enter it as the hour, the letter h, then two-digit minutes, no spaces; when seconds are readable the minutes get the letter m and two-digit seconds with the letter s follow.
6h00
